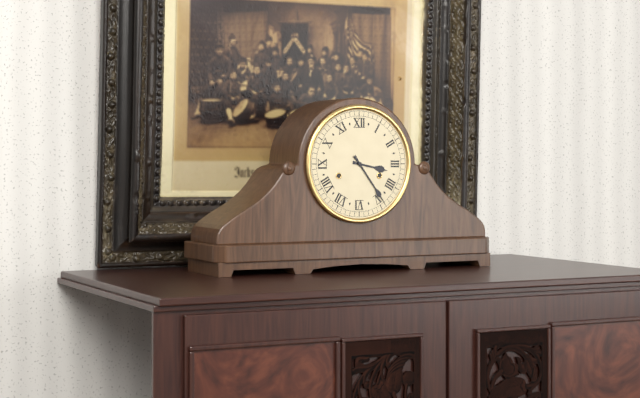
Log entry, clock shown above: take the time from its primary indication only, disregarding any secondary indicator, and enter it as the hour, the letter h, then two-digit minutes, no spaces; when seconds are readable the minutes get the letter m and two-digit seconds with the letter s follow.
3h24
